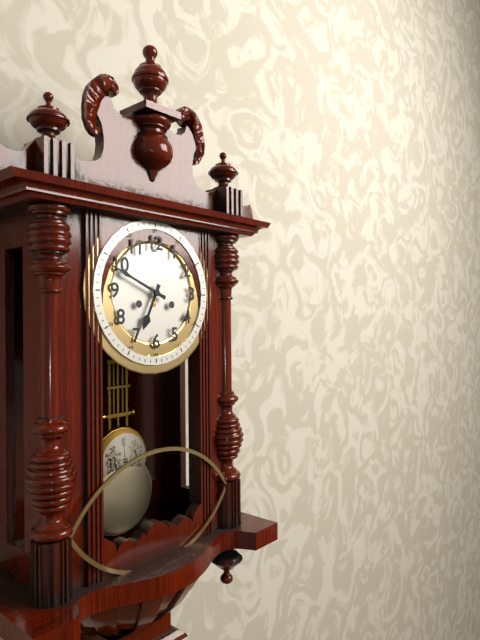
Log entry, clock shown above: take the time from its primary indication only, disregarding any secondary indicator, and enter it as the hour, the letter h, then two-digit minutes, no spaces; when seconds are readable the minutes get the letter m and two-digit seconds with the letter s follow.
6h49
